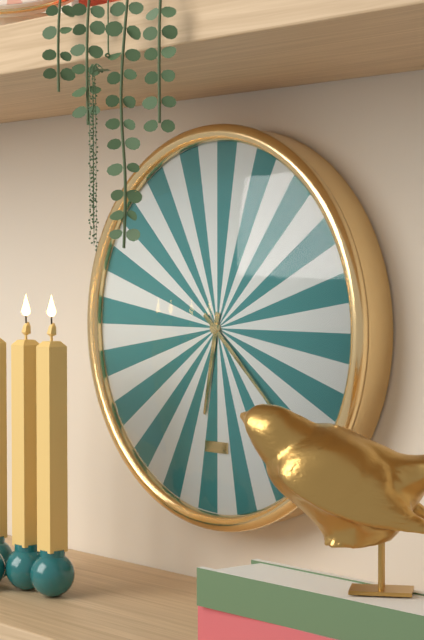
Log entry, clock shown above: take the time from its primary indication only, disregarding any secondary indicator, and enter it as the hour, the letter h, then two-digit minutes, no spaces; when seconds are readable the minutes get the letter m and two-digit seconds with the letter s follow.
6h22
